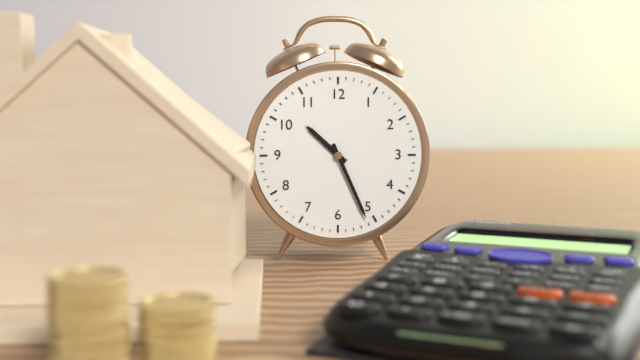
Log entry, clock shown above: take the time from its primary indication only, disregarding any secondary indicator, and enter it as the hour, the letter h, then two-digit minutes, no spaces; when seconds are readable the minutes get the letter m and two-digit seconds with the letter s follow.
10h26
